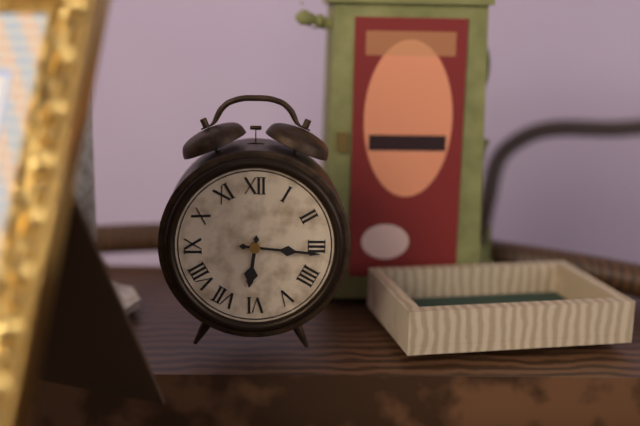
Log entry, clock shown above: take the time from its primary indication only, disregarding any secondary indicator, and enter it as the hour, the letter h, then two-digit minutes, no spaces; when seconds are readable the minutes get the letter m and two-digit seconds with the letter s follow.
6h16
